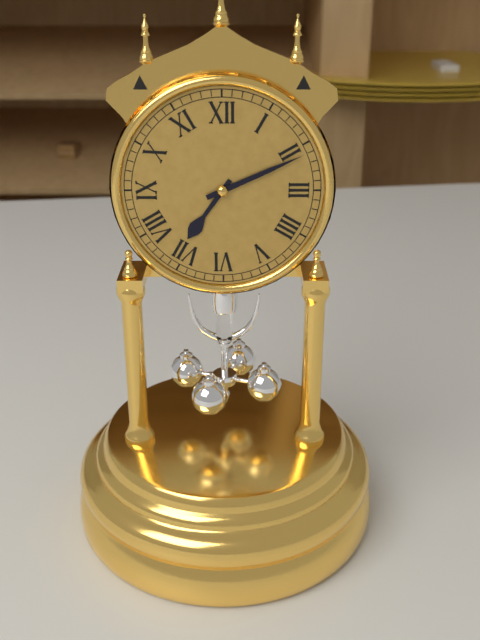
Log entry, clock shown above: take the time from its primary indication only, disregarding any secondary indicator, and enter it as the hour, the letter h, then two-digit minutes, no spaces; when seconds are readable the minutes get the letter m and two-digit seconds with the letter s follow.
7h11
